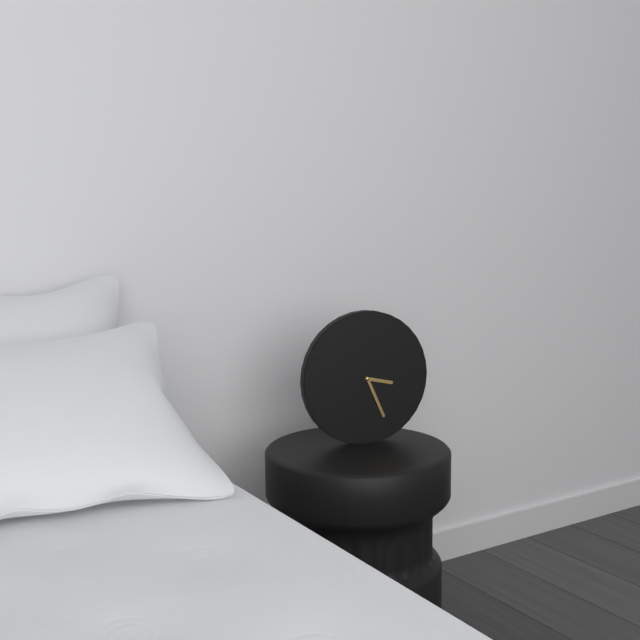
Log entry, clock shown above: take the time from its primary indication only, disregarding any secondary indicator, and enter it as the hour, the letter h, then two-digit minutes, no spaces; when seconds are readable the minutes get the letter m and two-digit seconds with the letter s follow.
3h26
